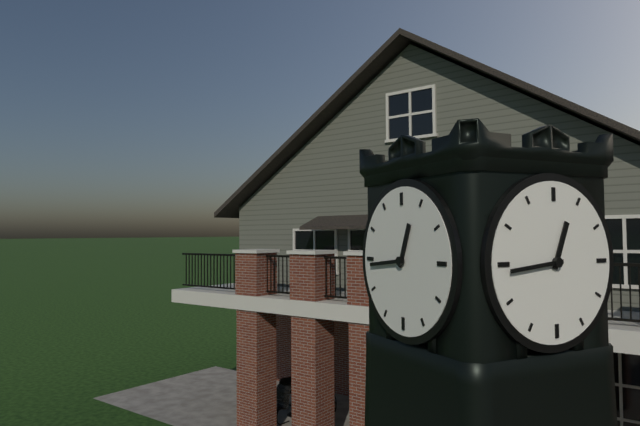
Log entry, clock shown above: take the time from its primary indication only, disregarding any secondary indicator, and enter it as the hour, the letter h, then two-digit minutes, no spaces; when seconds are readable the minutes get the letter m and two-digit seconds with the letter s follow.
12h44
